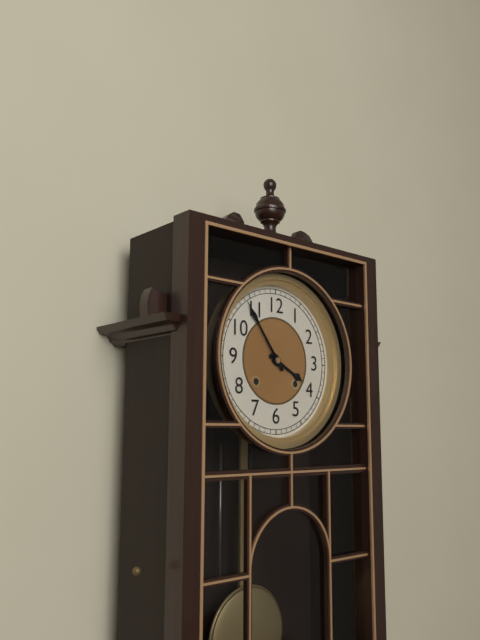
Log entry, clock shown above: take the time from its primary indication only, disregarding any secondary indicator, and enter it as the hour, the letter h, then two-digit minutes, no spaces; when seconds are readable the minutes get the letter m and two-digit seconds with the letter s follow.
3h54
